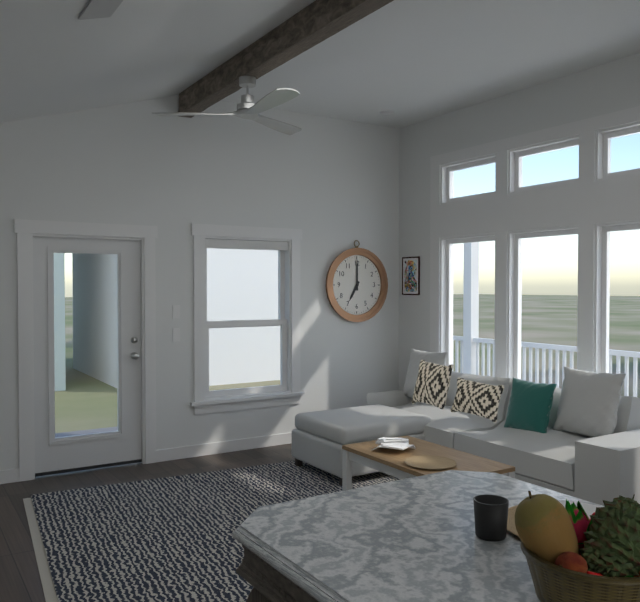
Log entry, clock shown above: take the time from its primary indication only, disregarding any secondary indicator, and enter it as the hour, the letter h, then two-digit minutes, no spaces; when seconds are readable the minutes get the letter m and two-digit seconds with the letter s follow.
7h00
